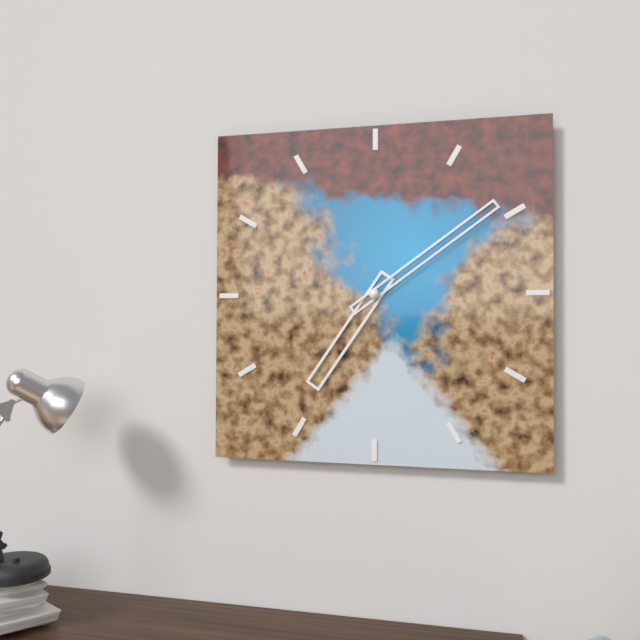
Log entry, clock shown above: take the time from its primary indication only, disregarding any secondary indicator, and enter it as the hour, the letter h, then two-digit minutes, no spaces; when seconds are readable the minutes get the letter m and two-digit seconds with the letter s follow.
7h09
